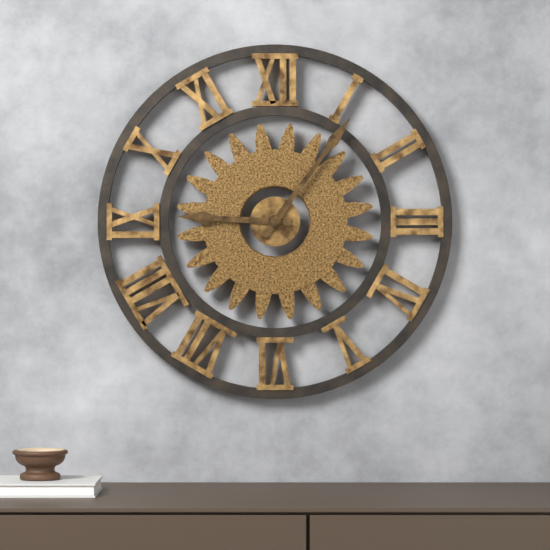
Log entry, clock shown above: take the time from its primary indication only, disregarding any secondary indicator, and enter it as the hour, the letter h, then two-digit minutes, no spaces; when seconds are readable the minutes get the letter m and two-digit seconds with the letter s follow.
9h06
